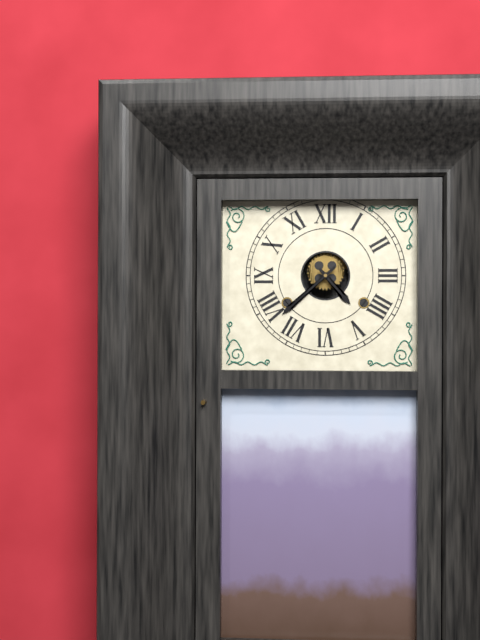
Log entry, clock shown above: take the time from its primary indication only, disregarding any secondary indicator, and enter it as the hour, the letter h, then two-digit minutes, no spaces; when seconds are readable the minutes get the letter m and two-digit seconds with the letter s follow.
4h38
